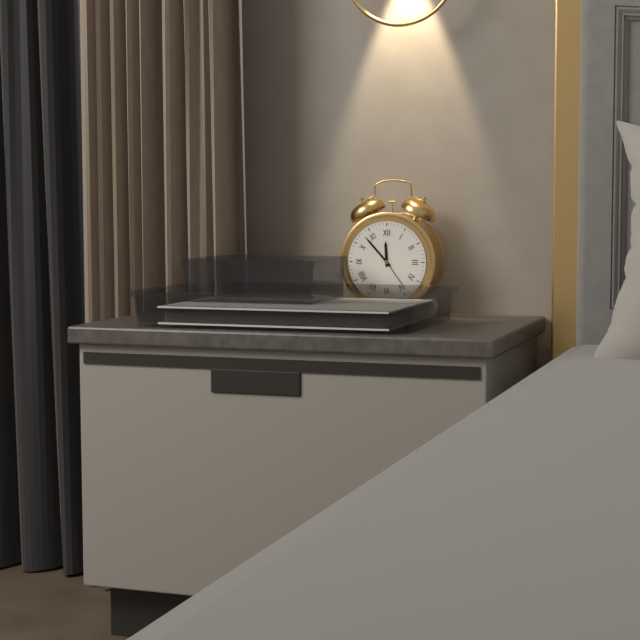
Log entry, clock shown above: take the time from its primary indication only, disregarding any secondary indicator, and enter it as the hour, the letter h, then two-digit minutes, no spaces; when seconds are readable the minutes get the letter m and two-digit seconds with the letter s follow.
11h53
